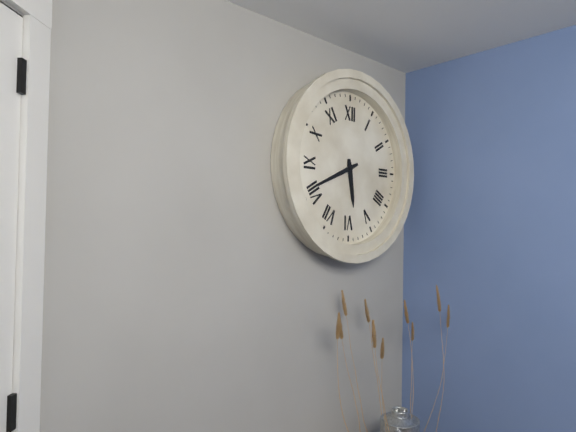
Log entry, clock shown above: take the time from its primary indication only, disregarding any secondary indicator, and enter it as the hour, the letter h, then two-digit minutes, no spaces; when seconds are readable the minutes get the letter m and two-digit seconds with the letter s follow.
5h41
